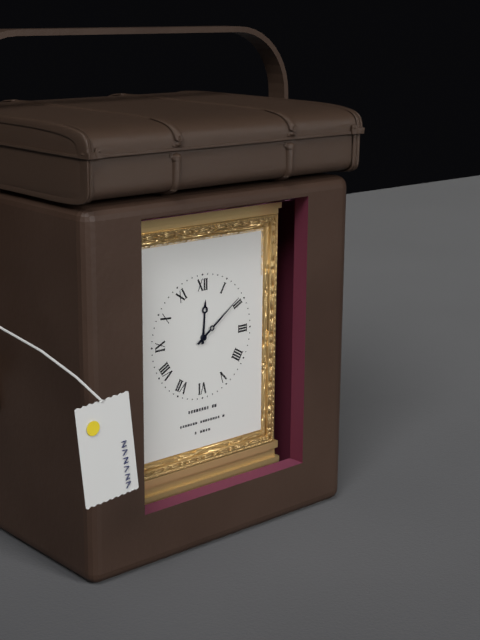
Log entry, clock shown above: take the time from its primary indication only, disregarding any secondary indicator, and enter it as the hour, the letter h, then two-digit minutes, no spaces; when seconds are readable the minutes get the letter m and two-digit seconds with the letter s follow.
12h09
